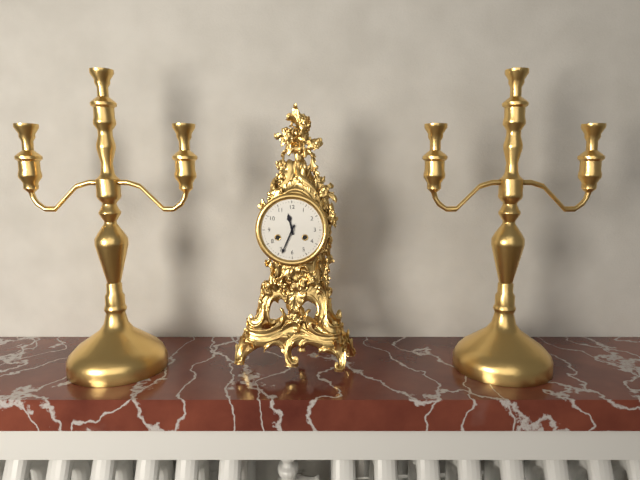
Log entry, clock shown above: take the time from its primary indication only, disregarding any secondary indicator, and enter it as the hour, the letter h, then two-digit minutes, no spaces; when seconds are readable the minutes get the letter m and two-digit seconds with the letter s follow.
11h34
